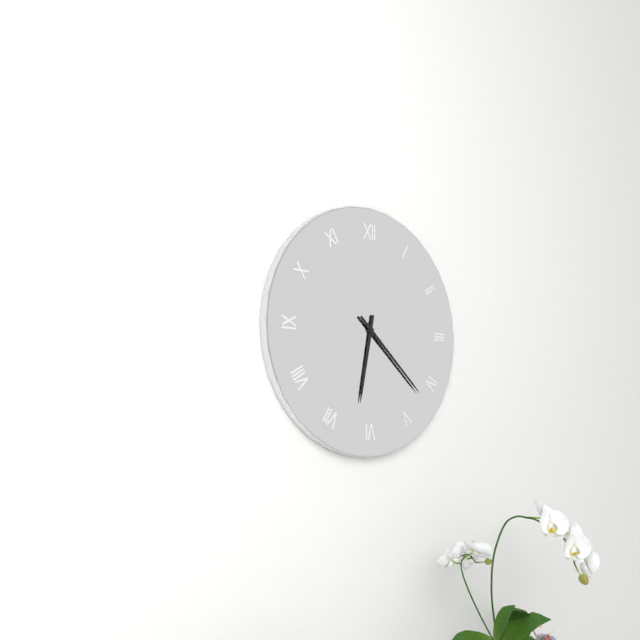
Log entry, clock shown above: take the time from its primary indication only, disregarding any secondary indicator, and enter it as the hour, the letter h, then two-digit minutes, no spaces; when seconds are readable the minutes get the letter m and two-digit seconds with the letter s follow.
6h22
